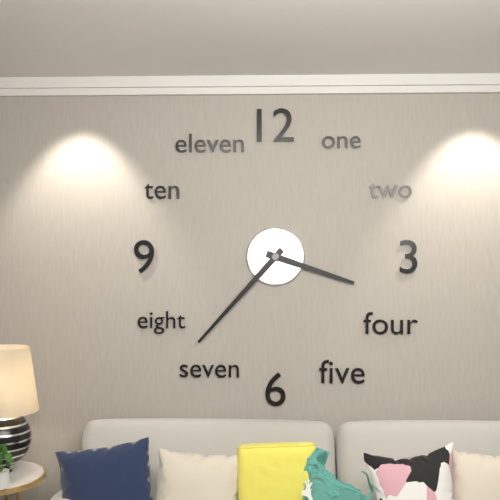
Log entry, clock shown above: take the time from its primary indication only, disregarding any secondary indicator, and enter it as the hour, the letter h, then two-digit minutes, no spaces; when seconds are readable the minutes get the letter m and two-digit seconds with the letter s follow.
3h37
